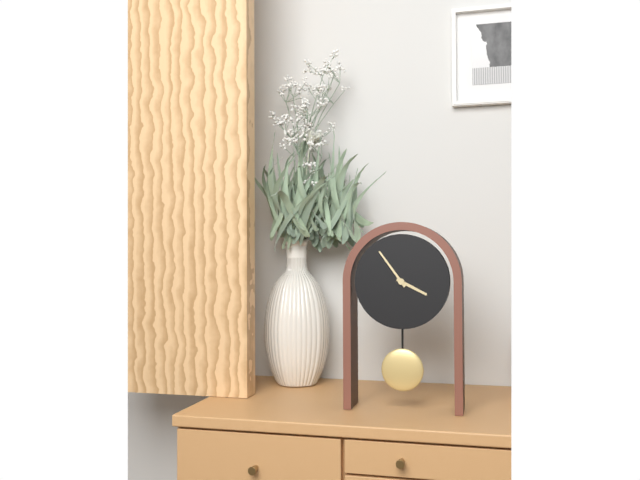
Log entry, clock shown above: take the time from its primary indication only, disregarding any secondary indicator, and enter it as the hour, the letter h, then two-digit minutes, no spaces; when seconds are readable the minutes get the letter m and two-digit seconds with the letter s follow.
3h54
